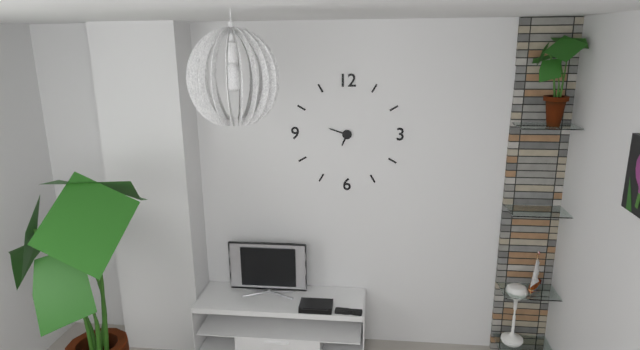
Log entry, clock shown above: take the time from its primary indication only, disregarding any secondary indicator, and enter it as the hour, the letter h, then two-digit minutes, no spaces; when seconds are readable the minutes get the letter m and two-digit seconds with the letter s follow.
6h48
